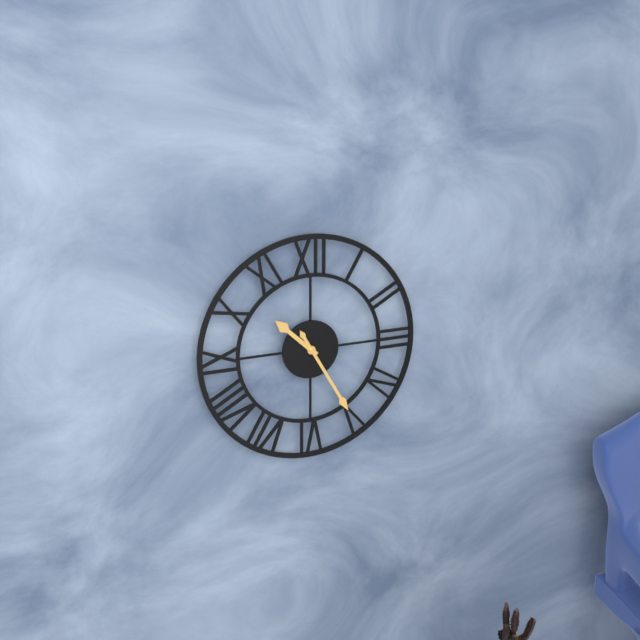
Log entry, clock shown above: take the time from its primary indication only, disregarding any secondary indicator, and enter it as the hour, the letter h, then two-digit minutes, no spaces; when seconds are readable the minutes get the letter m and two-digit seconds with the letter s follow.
10h25
